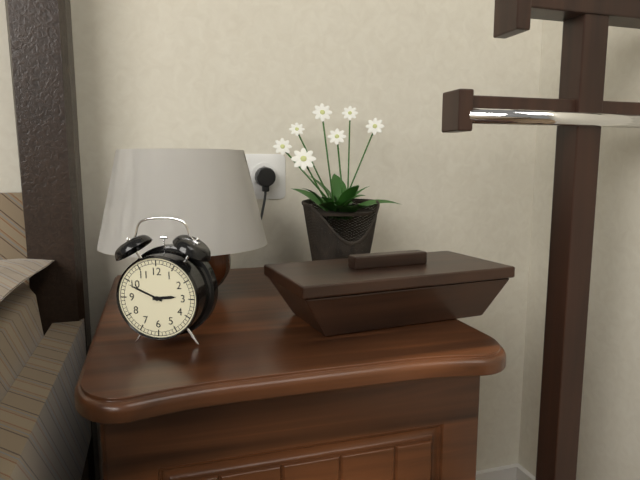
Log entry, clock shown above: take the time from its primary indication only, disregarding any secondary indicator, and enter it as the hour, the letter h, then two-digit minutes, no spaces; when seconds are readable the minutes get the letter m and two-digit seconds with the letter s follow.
2h49
